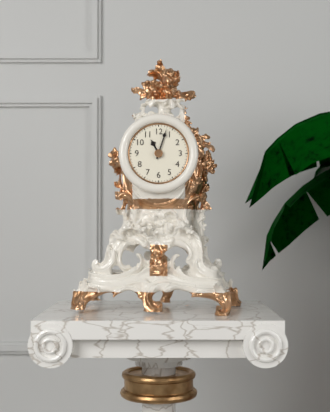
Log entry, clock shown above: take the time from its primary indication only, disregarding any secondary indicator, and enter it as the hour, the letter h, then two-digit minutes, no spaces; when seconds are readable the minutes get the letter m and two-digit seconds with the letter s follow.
11h03
